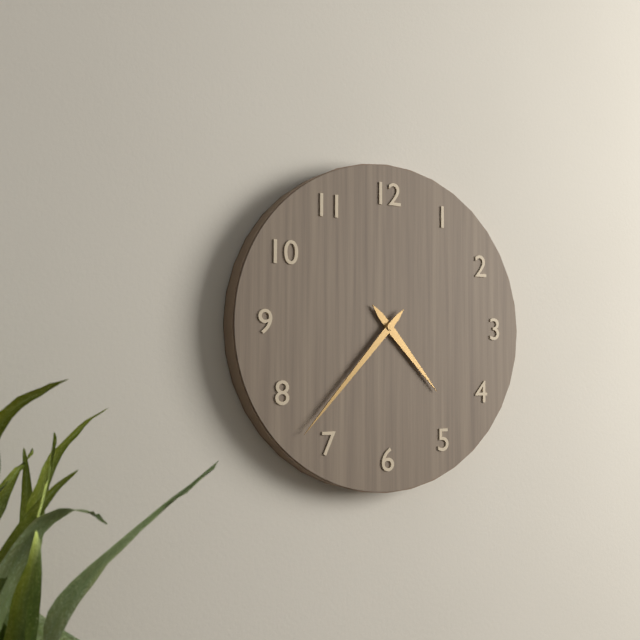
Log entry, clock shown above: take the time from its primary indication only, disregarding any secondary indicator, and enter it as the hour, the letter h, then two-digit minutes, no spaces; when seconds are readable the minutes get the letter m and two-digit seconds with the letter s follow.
4h37
